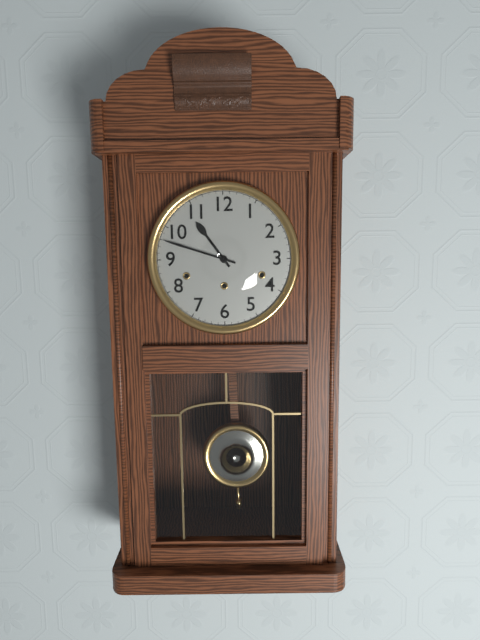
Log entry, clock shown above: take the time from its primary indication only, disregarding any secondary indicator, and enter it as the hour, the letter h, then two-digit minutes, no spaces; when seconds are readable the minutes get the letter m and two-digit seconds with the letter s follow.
10h48
